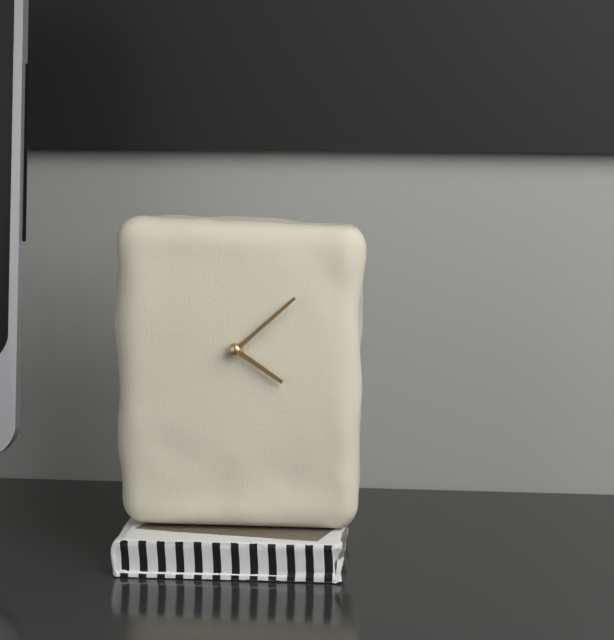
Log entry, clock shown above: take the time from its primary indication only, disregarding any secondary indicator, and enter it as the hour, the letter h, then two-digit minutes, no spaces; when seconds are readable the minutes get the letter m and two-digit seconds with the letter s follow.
4h08
